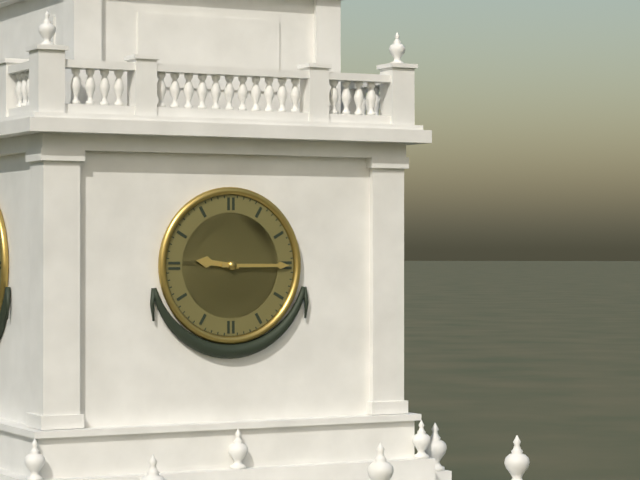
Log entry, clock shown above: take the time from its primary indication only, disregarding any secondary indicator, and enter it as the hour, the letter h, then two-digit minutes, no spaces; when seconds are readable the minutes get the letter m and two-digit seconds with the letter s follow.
9h15
